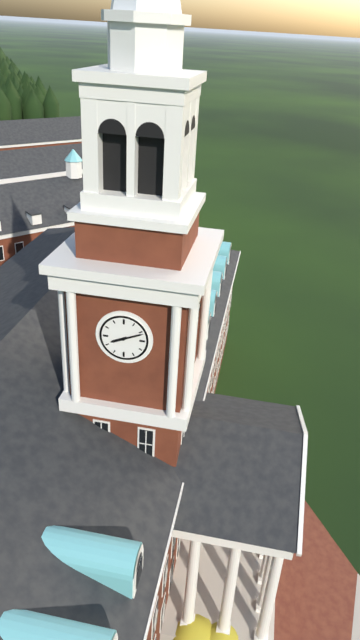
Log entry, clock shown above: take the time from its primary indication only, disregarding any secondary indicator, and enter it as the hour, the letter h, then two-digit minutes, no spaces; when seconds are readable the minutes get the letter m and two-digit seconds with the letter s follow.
8h11
